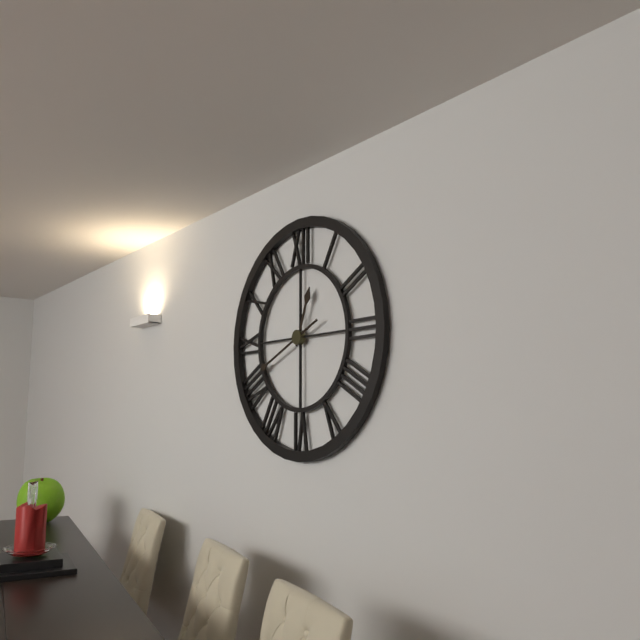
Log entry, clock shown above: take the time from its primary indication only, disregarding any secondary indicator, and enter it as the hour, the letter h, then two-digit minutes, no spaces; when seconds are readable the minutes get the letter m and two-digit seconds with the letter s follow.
12h41
